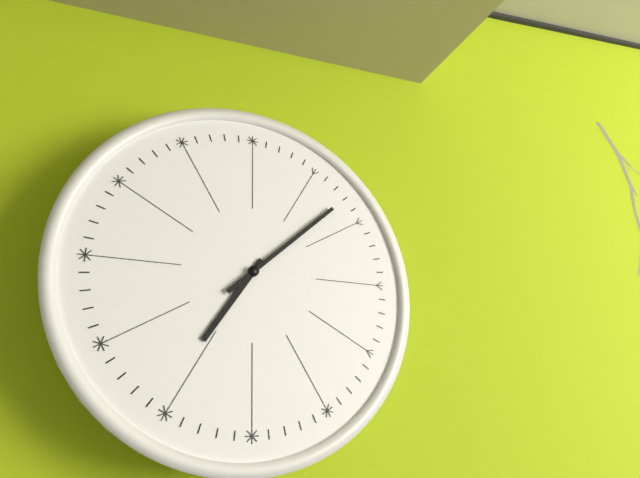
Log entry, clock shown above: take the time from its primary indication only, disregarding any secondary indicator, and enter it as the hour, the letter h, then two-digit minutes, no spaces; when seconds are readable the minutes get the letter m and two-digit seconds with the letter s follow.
7h08
